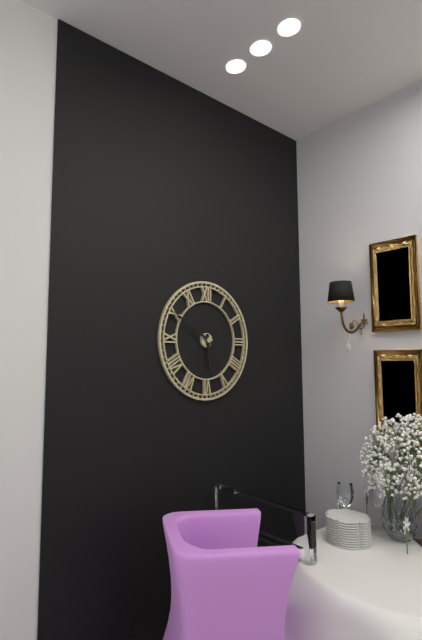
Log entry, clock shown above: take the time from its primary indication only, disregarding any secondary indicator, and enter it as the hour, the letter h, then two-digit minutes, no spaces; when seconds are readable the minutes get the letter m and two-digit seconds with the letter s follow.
5h50
